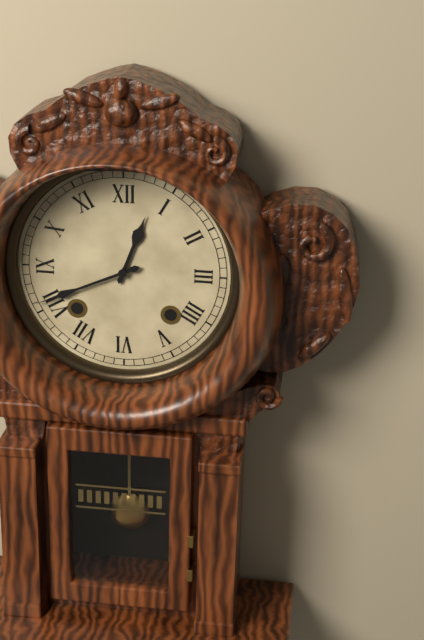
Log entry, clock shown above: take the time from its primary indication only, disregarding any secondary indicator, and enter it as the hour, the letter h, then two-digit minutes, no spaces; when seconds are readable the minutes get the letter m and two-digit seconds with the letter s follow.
12h41
